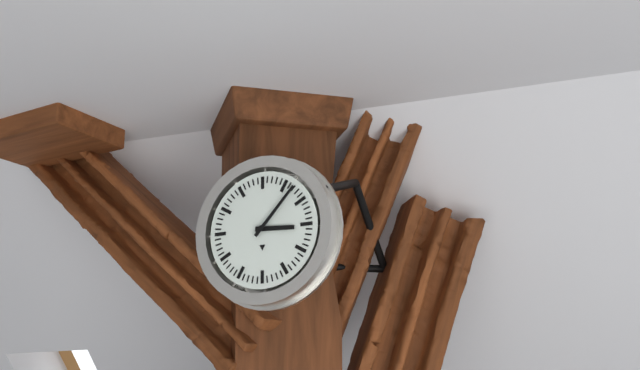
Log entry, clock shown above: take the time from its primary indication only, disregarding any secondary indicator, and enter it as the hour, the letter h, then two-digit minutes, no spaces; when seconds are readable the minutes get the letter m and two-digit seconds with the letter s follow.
3h07
